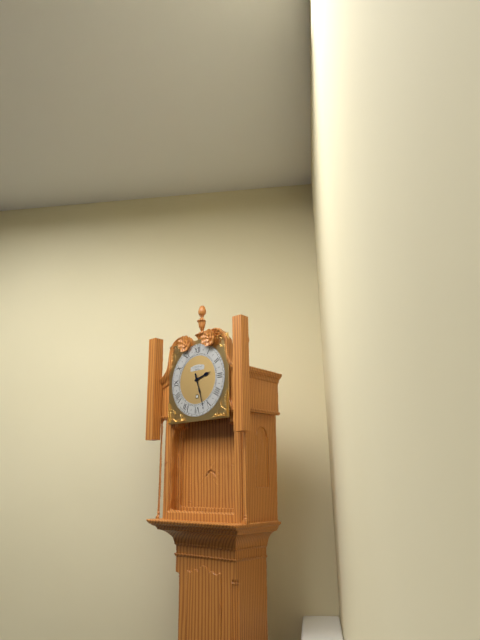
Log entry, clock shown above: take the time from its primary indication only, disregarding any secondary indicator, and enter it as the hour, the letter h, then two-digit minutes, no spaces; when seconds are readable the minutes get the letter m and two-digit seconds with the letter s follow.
2h27
